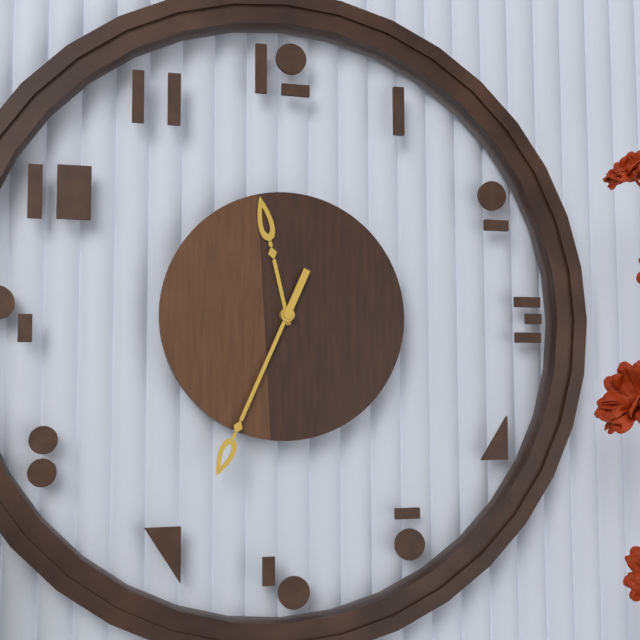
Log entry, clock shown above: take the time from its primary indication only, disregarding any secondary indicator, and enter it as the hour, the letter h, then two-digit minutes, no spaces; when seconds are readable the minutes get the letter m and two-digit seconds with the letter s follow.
11h34
